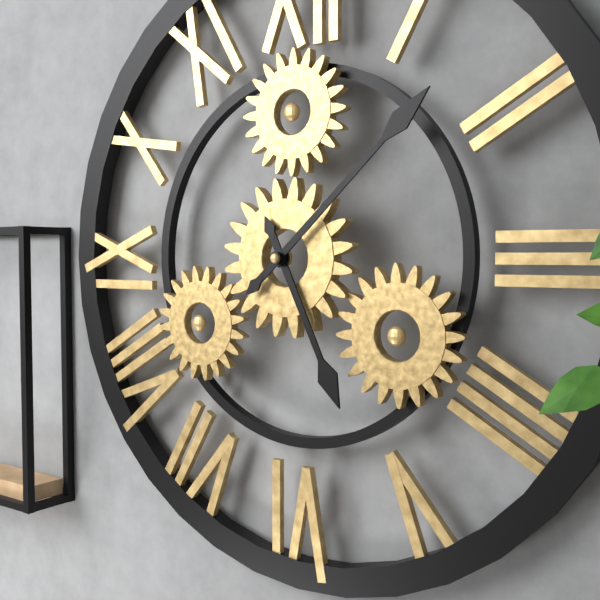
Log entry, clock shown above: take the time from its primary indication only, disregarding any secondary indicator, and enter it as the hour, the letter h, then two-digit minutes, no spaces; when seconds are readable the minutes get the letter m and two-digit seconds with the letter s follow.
5h08
